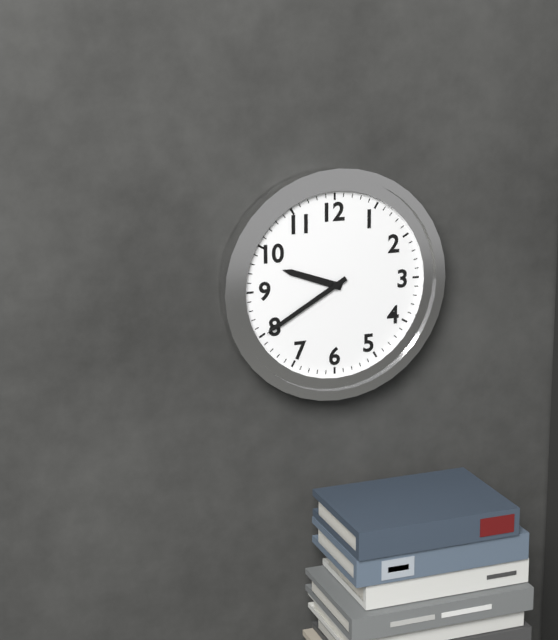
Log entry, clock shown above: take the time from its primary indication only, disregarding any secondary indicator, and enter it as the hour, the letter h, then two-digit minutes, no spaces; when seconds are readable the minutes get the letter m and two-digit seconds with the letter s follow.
9h40
